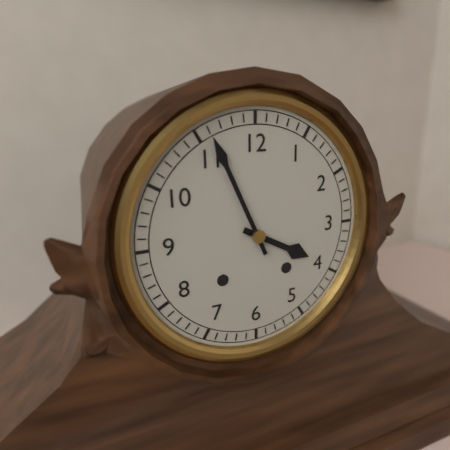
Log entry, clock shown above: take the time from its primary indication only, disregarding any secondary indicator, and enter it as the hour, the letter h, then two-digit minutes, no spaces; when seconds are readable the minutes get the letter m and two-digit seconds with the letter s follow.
3h56
